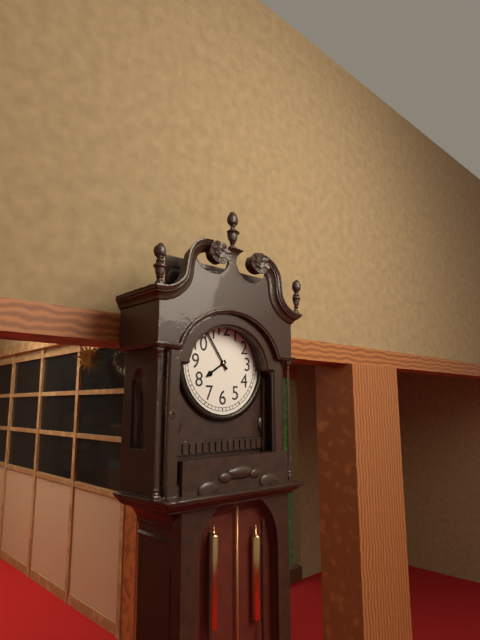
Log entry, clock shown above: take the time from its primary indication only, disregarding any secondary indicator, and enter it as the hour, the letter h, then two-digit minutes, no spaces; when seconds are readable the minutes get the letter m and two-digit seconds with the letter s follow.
7h54
